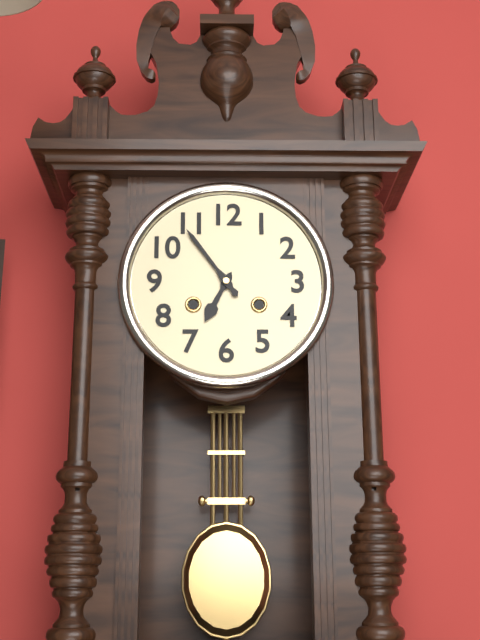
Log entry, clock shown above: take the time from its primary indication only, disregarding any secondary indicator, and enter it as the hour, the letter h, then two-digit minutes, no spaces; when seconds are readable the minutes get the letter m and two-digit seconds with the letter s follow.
6h54
